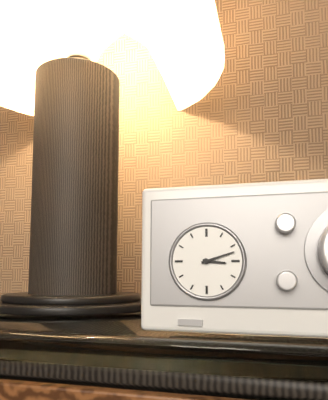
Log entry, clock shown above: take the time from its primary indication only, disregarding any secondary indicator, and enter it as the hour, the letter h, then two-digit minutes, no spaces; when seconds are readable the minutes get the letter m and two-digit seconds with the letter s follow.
3h12
